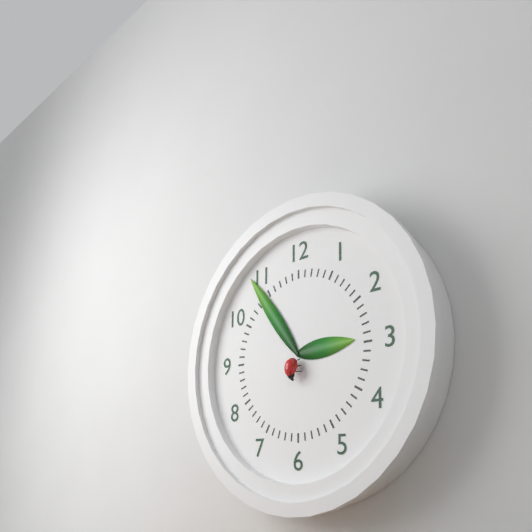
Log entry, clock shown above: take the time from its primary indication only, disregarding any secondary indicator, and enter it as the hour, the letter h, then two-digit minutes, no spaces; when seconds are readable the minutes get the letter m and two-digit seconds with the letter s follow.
2h54
